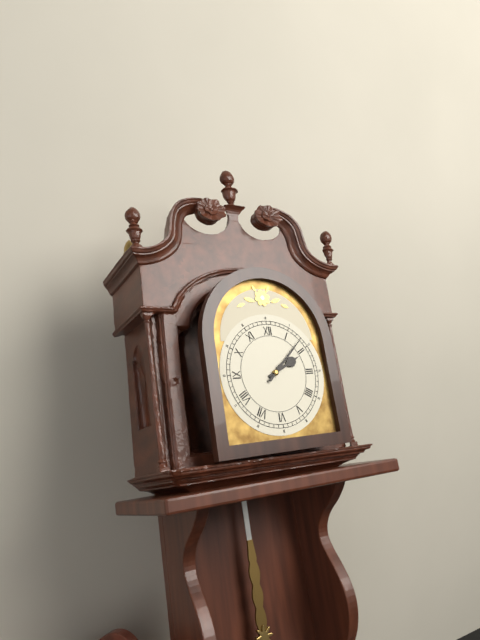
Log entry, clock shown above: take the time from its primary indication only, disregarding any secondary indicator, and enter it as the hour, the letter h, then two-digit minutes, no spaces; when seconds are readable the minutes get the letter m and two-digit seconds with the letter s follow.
2h08
